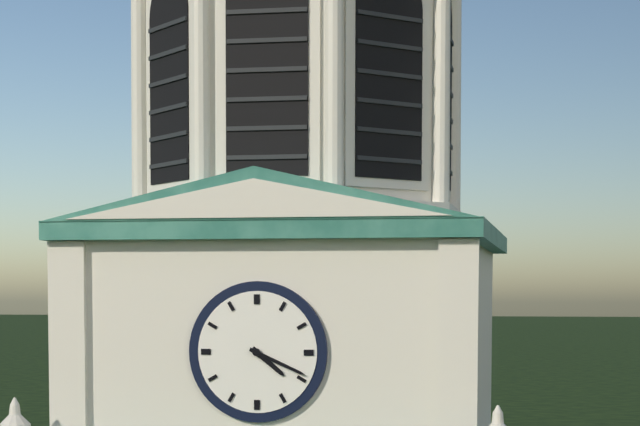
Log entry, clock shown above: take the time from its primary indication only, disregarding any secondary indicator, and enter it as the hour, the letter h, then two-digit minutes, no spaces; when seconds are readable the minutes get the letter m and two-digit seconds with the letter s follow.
4h19
